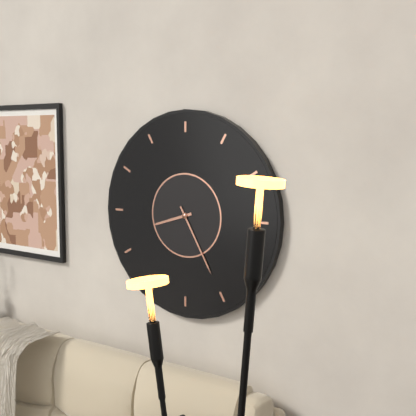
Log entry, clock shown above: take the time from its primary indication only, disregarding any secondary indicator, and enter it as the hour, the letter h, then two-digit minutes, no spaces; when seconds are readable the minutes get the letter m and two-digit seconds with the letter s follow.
8h25
